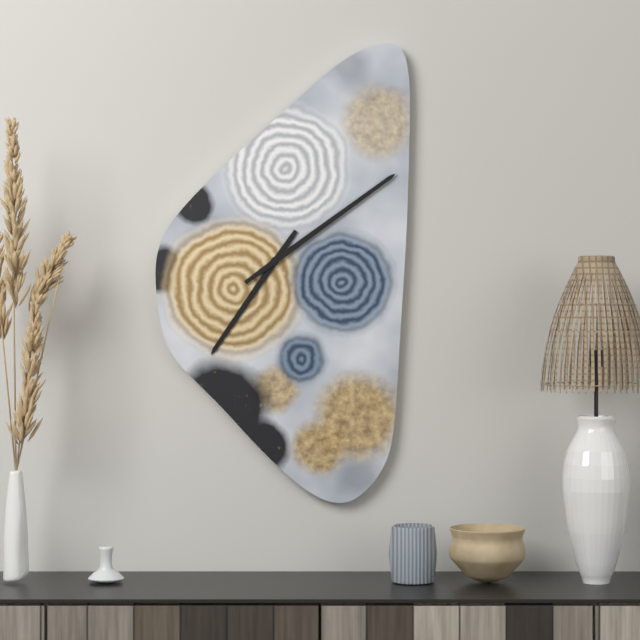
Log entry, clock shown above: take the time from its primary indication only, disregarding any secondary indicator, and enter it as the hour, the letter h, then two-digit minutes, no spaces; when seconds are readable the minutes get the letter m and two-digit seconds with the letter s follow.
7h09
